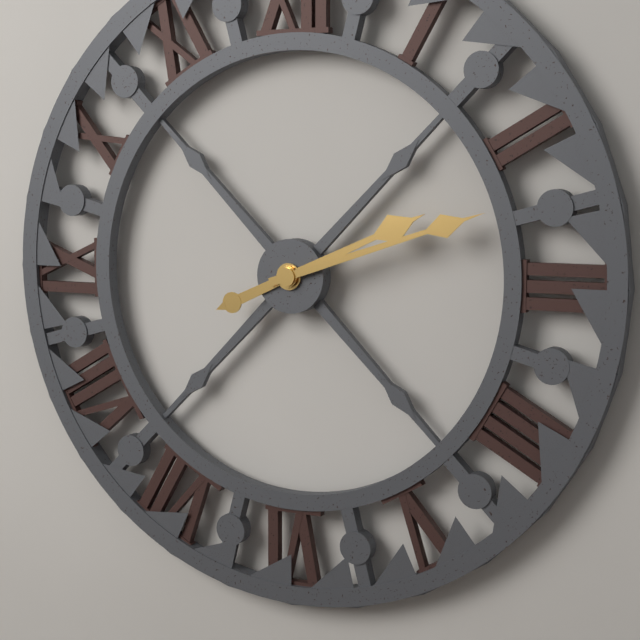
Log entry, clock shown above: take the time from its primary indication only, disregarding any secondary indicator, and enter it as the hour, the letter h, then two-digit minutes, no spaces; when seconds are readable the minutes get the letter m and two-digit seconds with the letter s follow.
2h12
